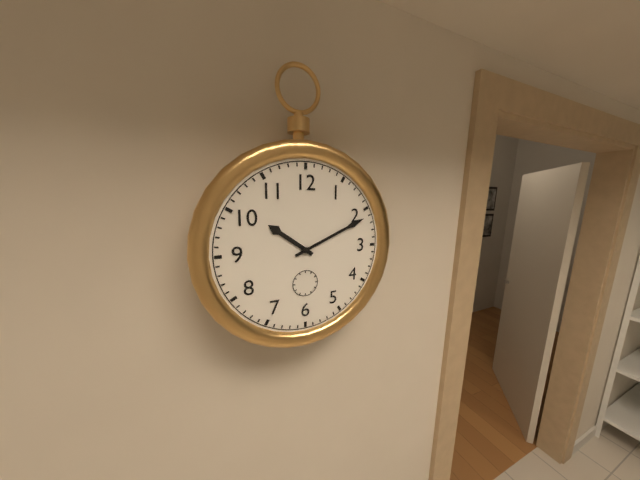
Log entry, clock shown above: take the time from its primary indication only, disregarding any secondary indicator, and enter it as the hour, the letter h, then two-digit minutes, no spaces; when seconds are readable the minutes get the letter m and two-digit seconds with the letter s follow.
10h11
